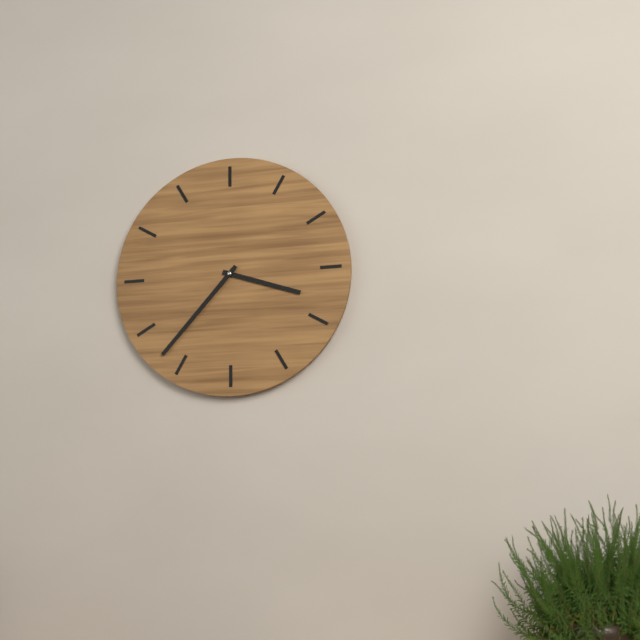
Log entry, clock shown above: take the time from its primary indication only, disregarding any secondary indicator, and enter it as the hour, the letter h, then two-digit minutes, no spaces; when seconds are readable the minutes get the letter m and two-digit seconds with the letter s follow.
3h37
